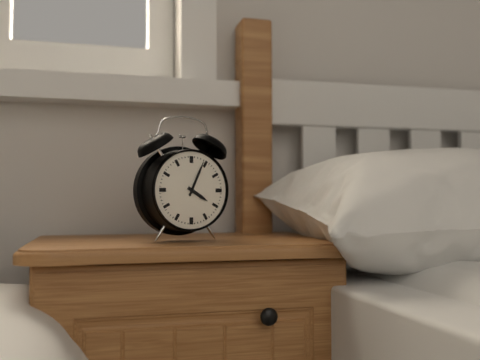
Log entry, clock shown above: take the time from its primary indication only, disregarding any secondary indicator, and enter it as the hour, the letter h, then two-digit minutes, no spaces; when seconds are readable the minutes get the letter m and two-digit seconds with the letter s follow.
4h04
